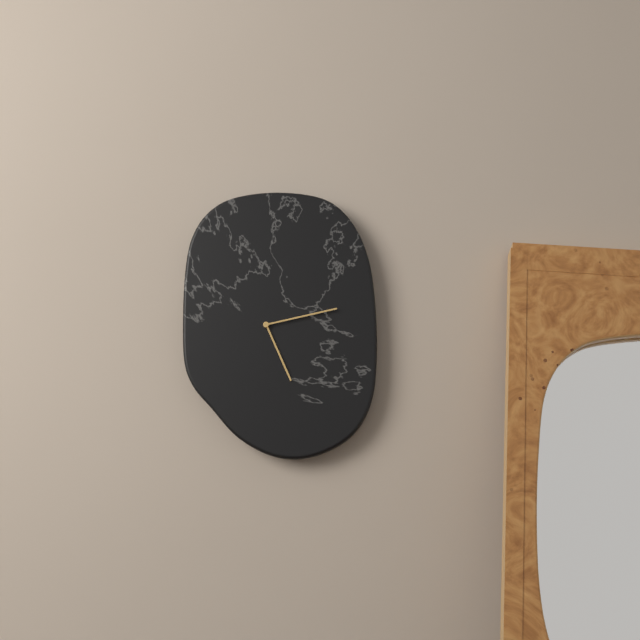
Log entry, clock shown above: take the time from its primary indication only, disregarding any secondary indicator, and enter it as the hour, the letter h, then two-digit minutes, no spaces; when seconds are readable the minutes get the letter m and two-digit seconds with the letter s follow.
5h13
